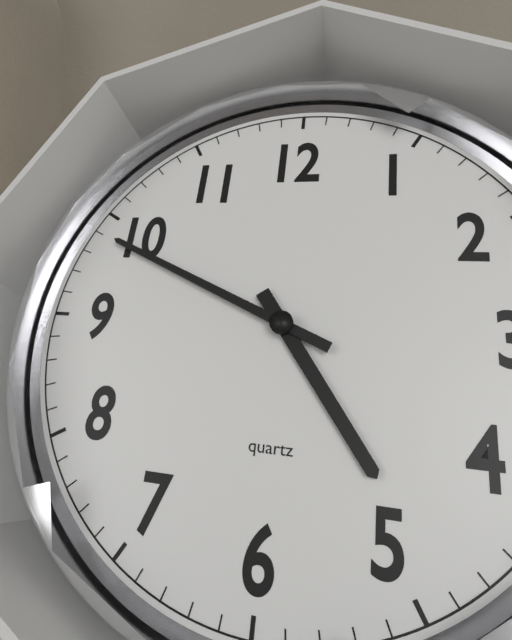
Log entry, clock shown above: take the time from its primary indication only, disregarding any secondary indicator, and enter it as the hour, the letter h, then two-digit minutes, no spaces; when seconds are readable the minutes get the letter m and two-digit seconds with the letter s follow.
4h49
